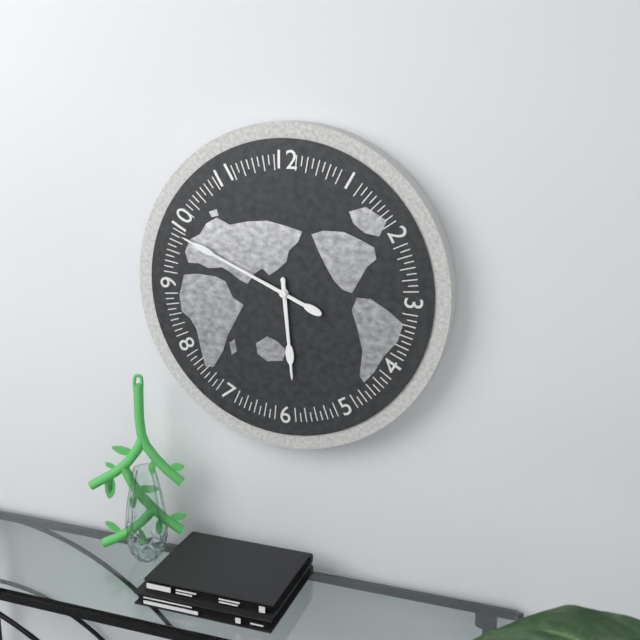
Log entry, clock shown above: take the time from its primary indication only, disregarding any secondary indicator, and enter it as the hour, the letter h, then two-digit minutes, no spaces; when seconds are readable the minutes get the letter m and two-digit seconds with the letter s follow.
5h49
